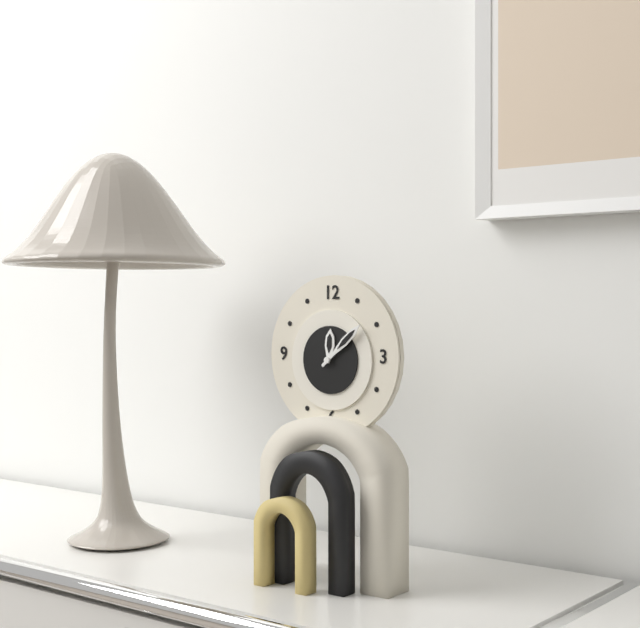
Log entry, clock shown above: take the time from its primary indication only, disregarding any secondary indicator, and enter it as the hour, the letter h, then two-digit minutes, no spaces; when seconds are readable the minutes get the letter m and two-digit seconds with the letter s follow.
12h08
